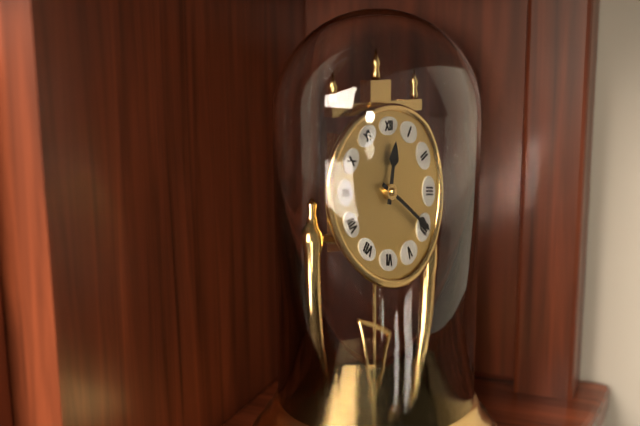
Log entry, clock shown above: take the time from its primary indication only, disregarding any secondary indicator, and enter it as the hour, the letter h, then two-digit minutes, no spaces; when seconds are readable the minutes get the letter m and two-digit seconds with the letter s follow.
12h20
